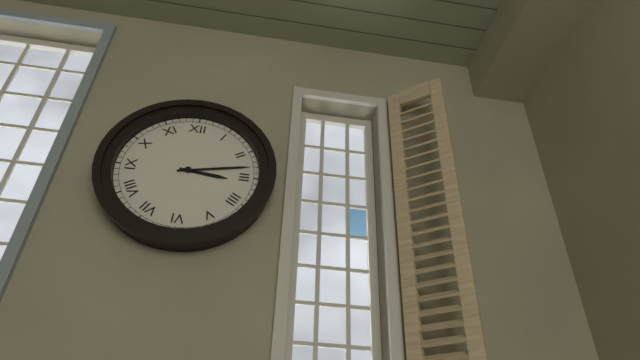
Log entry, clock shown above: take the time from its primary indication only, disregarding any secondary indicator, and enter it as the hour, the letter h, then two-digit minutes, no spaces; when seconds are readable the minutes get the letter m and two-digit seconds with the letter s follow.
3h13
